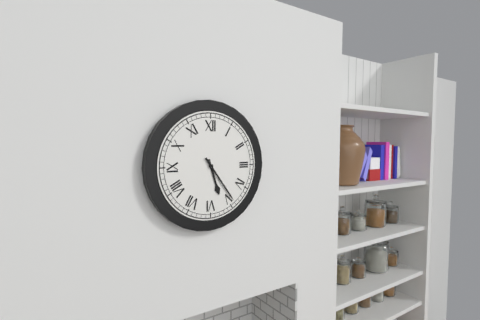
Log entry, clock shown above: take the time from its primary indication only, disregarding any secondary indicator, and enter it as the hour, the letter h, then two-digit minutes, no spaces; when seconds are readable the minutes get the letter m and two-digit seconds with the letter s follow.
5h24
